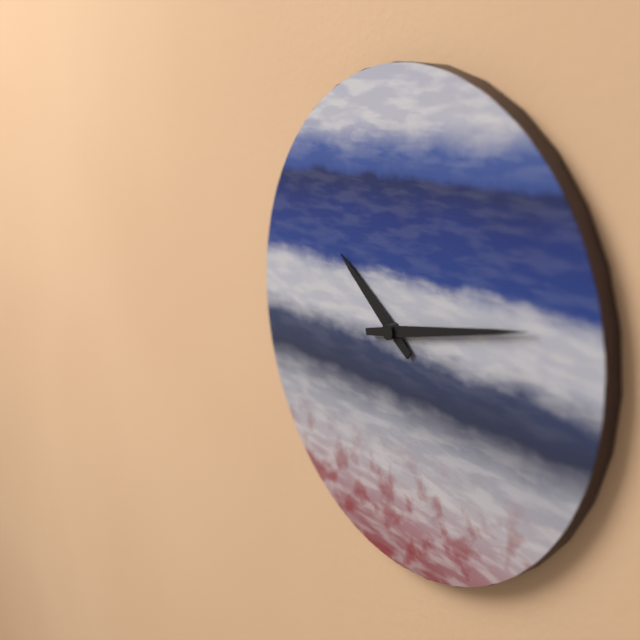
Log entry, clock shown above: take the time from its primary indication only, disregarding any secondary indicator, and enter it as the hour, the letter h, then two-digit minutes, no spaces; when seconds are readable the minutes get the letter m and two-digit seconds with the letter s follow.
10h13
